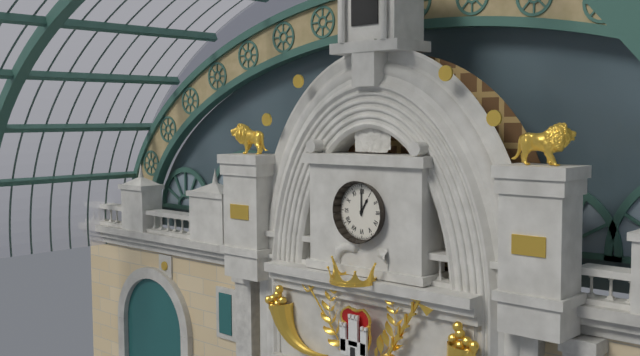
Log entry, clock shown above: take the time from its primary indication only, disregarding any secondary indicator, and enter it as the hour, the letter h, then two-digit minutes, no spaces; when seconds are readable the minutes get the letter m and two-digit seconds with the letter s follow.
1h00
